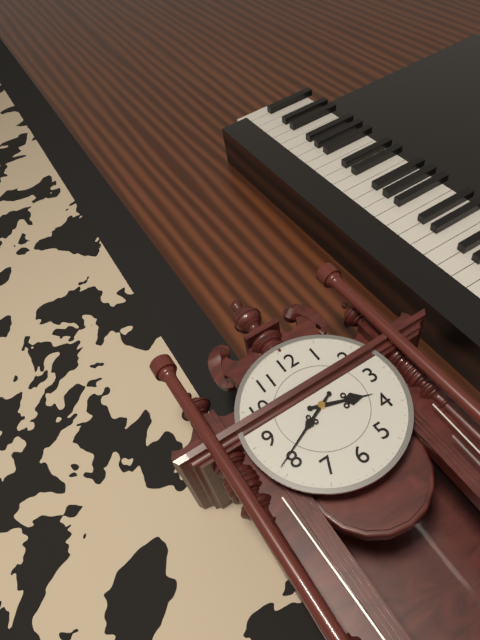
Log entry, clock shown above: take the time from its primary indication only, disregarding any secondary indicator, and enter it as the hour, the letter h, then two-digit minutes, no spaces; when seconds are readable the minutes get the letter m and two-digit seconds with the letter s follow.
3h41
